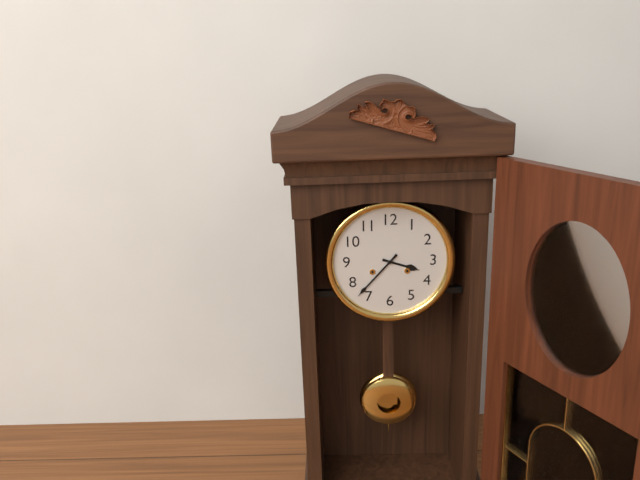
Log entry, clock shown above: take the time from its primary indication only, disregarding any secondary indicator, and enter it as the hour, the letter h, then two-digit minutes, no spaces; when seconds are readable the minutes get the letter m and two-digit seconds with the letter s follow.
3h37
